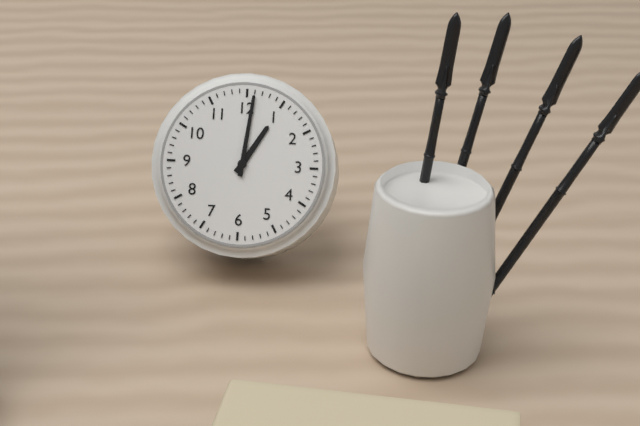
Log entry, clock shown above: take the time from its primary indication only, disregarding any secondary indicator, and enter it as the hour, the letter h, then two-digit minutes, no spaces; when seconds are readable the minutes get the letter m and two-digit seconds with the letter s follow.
1h01
